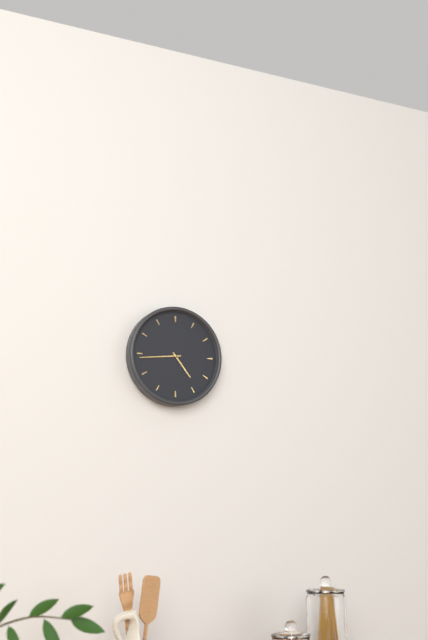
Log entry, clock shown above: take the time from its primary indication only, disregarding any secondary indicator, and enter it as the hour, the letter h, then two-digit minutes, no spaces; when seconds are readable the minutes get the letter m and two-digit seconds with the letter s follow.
4h44
